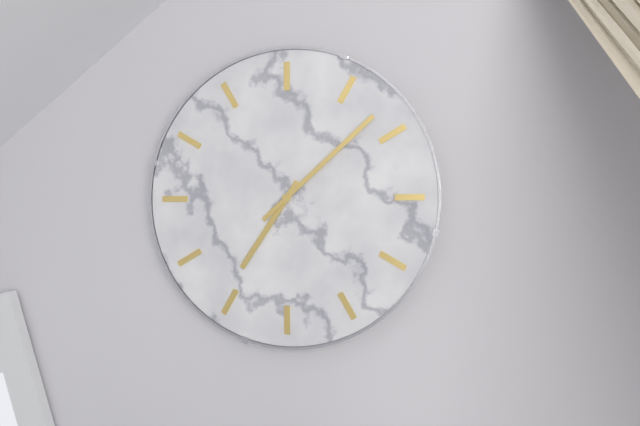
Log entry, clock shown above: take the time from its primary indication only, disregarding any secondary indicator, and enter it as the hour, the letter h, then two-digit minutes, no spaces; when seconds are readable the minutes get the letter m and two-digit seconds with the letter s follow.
7h08
